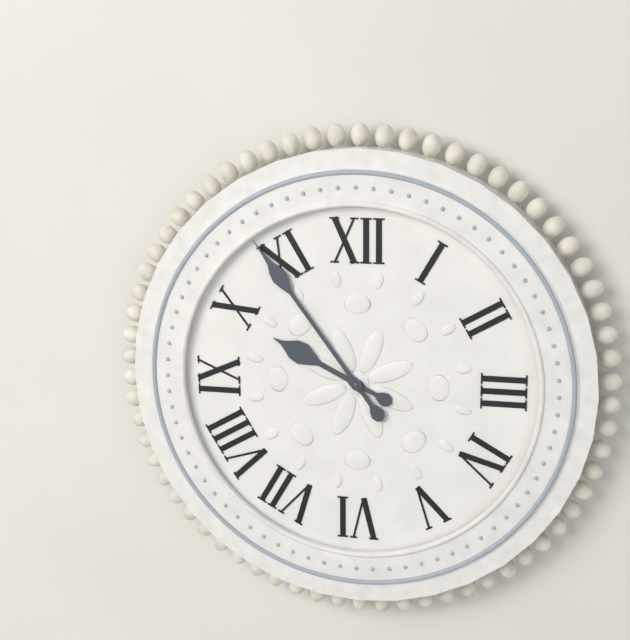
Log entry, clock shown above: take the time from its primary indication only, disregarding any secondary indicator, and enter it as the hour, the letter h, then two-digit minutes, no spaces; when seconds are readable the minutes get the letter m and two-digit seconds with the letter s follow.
9h54
